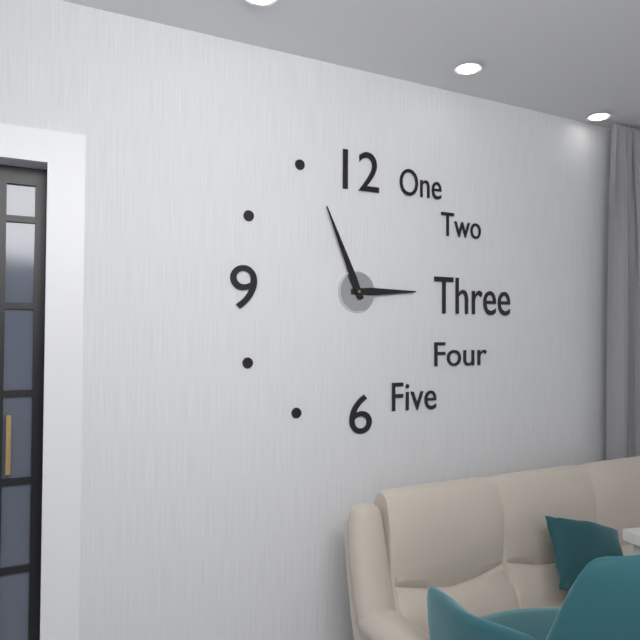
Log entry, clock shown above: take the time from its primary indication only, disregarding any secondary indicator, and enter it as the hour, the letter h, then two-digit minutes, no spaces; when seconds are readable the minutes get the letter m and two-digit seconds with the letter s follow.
2h56
